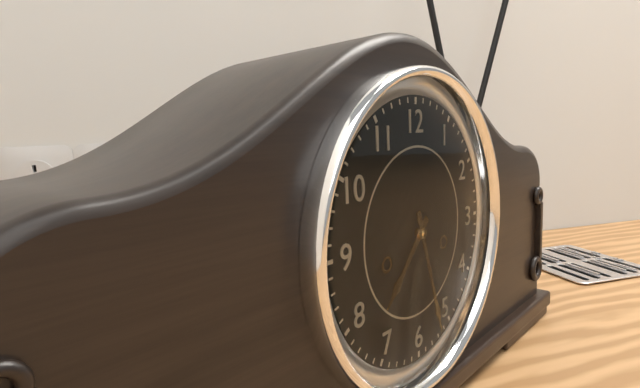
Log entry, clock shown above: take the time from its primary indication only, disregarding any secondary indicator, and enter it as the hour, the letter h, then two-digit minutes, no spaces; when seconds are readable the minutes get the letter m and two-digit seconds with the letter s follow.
7h27
